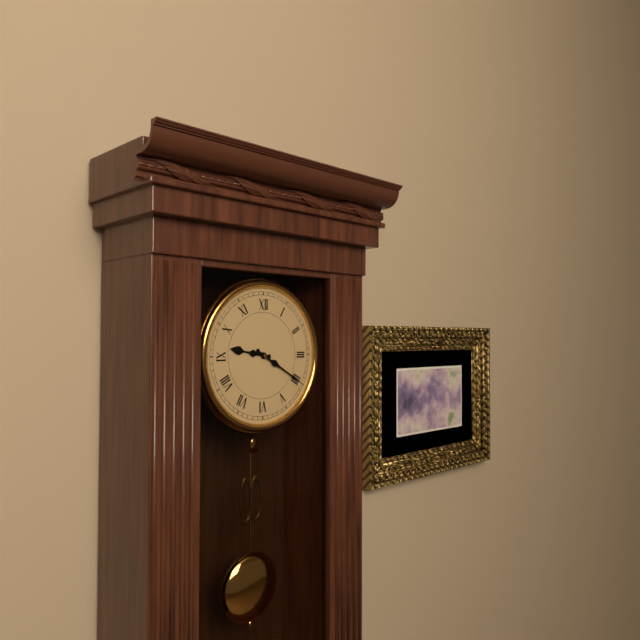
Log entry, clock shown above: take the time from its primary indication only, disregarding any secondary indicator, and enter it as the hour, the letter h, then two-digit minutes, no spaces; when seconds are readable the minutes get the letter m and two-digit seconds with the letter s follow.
9h20
